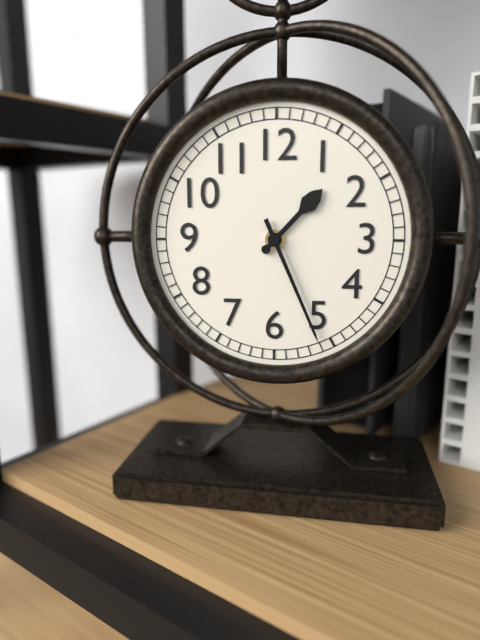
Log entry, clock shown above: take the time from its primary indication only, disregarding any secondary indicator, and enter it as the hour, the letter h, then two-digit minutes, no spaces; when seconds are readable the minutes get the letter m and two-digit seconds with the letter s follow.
1h26
